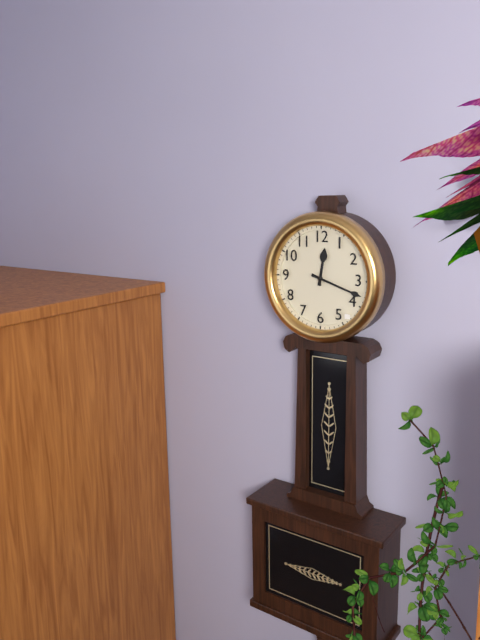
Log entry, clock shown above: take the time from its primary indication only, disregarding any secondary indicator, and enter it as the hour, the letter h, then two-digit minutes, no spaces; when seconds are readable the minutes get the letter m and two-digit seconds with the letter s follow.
12h18
